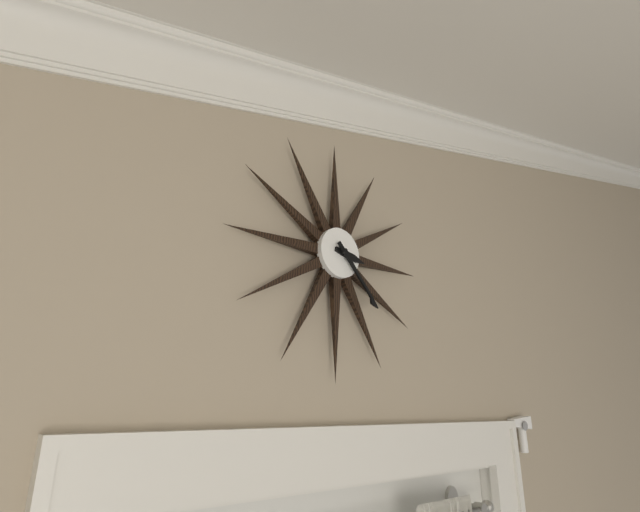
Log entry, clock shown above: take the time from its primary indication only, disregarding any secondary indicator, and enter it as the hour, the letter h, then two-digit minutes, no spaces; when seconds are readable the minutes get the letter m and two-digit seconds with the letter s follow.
3h23
